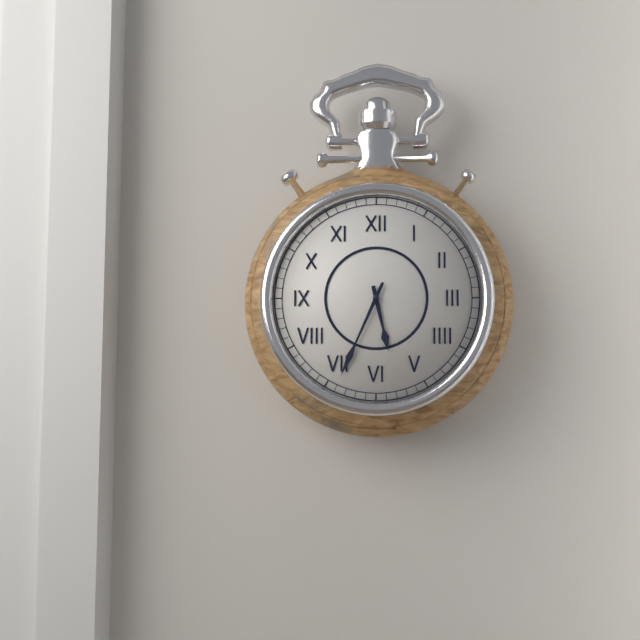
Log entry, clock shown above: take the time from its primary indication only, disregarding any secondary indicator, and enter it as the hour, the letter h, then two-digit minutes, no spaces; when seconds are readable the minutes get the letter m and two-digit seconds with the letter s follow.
5h34
